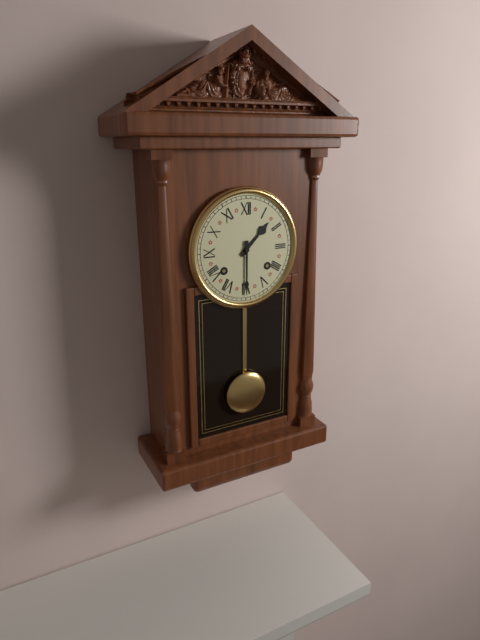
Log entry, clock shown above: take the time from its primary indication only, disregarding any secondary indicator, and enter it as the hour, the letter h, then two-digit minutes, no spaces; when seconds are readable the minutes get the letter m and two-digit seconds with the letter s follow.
1h30
